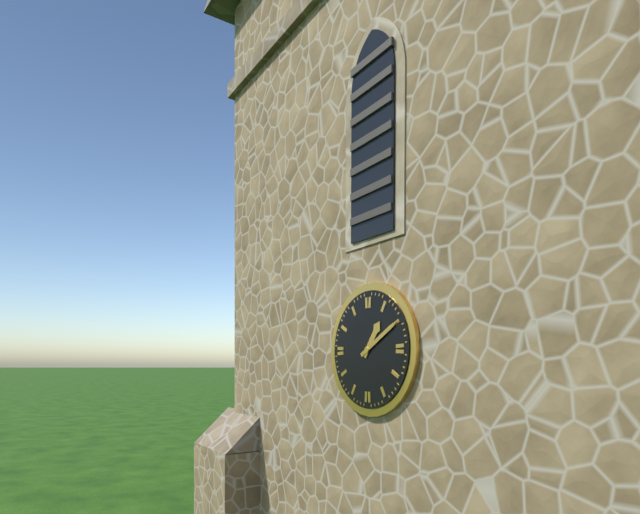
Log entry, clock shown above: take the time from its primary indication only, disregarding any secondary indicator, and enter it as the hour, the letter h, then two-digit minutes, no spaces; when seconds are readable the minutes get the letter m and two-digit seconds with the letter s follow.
1h10
